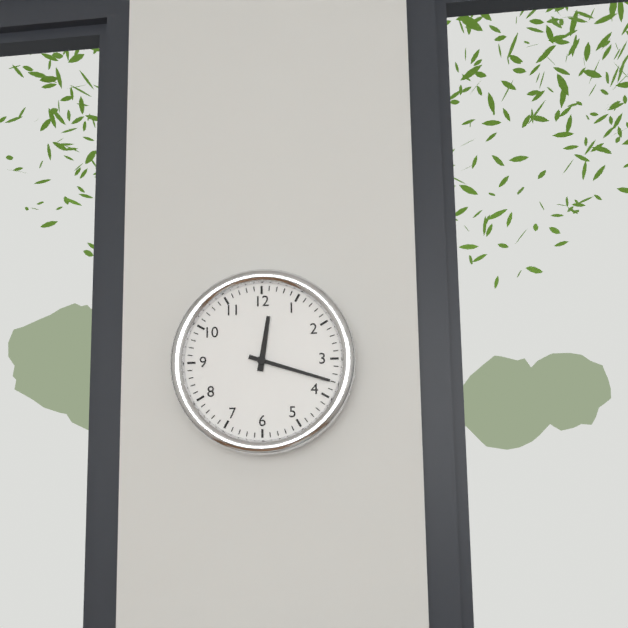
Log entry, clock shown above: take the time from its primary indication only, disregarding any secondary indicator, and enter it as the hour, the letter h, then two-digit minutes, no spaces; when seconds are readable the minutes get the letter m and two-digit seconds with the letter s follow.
12h18
